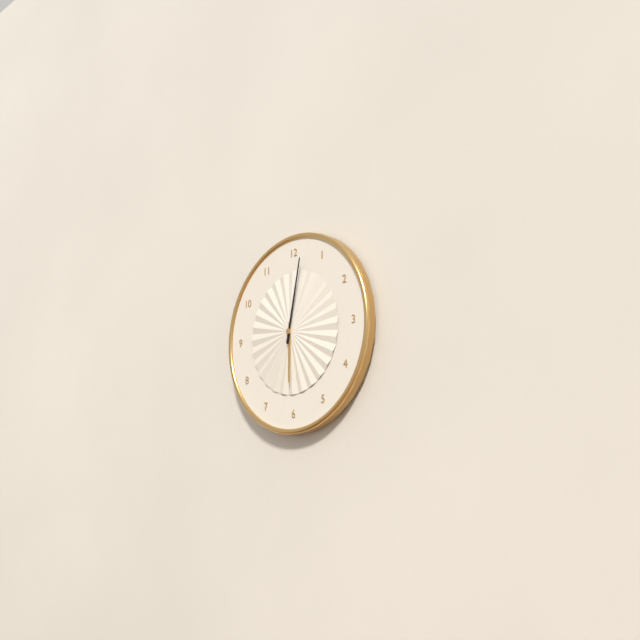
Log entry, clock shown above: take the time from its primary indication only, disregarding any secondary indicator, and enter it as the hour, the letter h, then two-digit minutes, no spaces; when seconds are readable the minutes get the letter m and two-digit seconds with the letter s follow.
6h02
